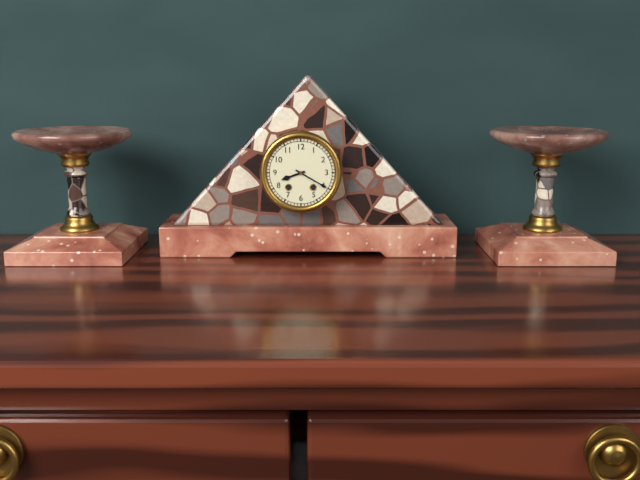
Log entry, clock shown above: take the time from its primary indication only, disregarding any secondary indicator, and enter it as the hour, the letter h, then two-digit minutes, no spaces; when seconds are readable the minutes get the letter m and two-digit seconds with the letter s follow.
8h20
